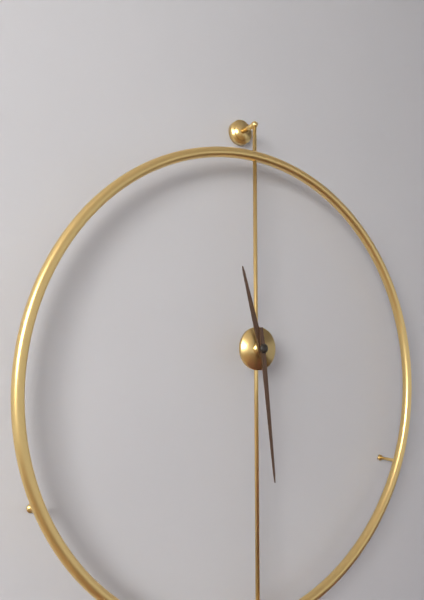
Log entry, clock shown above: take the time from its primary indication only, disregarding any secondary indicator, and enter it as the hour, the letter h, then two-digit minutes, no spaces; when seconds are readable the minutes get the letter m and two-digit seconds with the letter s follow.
11h29
